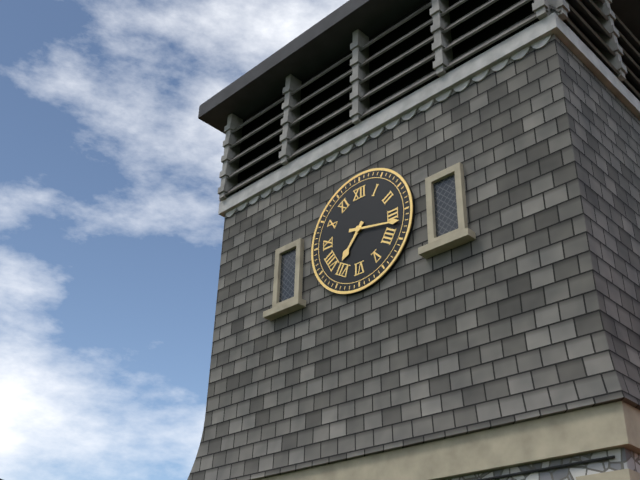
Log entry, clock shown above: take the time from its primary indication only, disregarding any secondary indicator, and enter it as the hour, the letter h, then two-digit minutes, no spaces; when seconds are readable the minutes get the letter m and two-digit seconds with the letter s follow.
7h17
